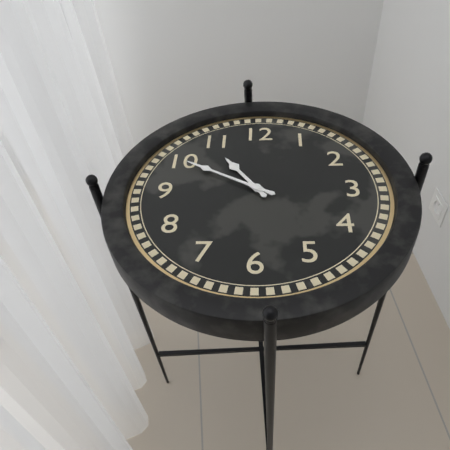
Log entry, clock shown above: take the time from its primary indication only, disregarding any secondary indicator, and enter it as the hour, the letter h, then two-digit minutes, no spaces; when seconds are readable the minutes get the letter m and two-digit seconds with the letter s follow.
10h50
